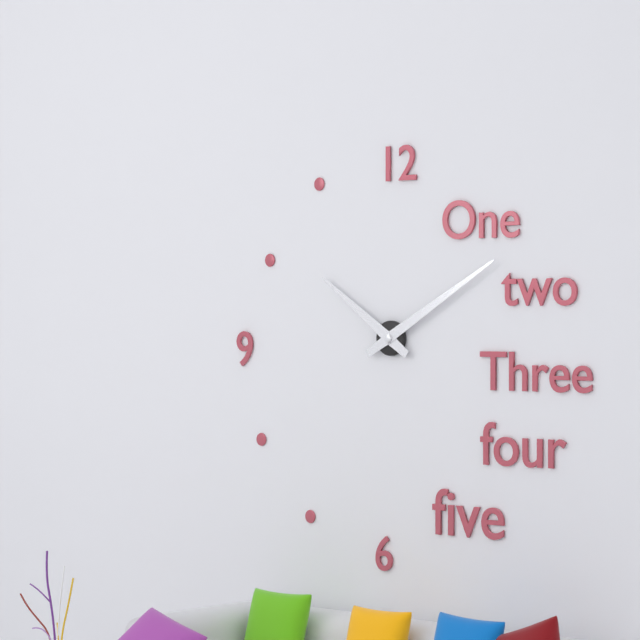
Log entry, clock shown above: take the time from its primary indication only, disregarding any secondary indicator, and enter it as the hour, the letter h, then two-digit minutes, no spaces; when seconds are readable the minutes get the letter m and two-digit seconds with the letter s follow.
10h10
